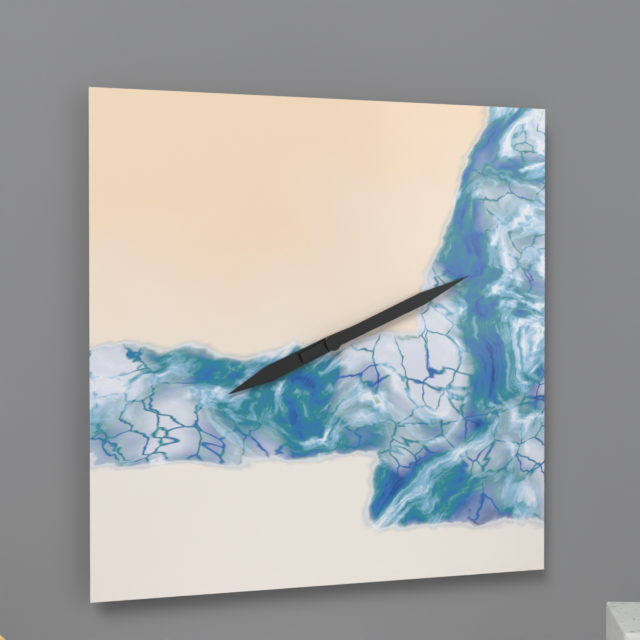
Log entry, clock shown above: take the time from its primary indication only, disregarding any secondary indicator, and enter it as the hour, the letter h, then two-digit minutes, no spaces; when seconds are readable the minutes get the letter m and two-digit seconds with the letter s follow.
8h11
